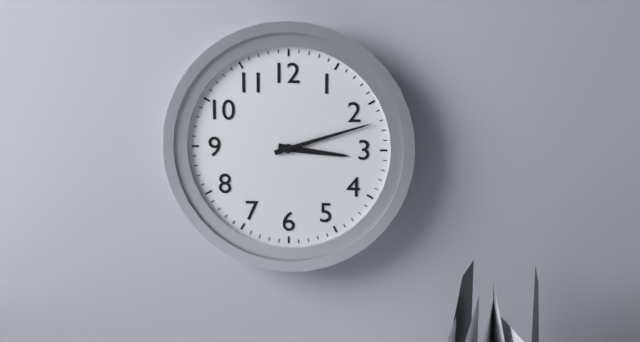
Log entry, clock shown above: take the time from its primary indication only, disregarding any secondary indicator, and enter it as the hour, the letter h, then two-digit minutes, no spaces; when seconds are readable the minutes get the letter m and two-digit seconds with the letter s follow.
3h12
